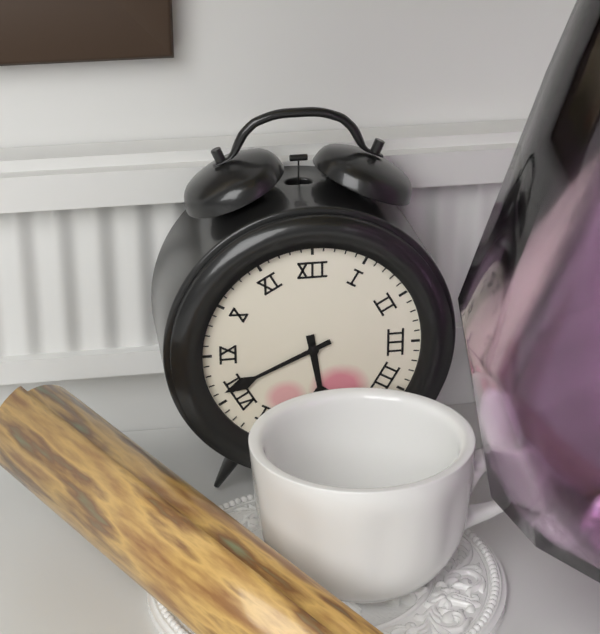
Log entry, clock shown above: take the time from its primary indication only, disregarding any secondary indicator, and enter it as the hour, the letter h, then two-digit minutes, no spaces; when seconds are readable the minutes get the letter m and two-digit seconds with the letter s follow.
5h41
